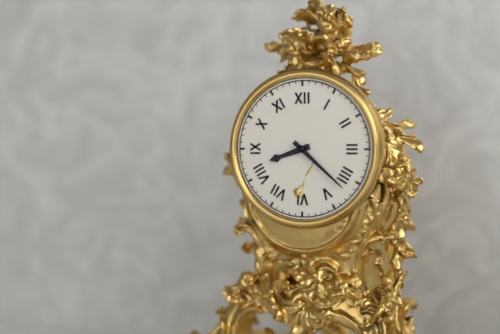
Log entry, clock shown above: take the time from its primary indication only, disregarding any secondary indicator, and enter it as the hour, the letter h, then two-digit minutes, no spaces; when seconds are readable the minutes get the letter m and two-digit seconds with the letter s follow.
8h22
